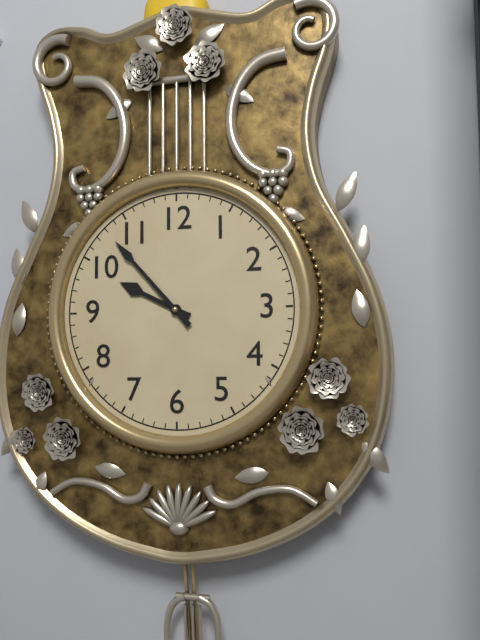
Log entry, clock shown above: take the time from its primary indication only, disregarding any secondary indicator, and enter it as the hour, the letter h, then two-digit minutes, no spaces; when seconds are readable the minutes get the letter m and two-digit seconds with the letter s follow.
9h53
